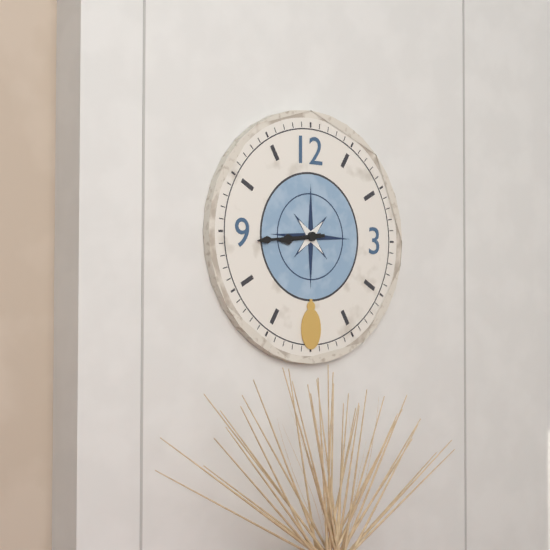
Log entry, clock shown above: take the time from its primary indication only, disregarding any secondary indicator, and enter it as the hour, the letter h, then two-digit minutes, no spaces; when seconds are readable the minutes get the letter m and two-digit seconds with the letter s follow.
8h44
